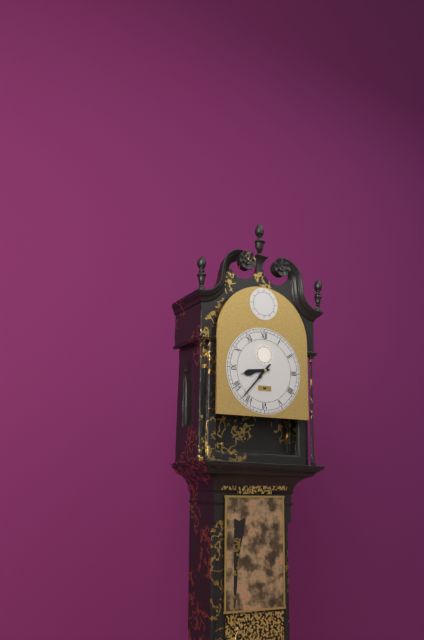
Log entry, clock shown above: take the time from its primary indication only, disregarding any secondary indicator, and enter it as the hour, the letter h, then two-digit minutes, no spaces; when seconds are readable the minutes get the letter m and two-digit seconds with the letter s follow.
8h37
